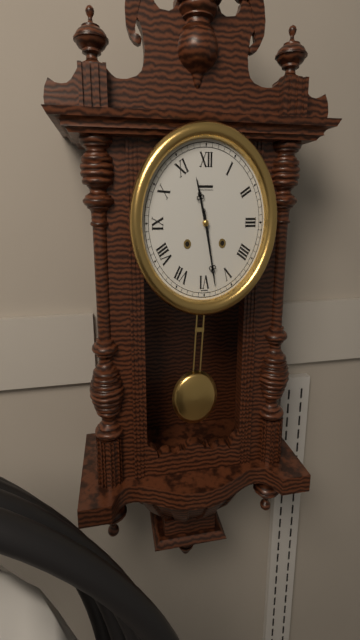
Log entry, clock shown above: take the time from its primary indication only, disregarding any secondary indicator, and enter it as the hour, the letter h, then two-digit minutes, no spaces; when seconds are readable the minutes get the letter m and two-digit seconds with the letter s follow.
11h28
